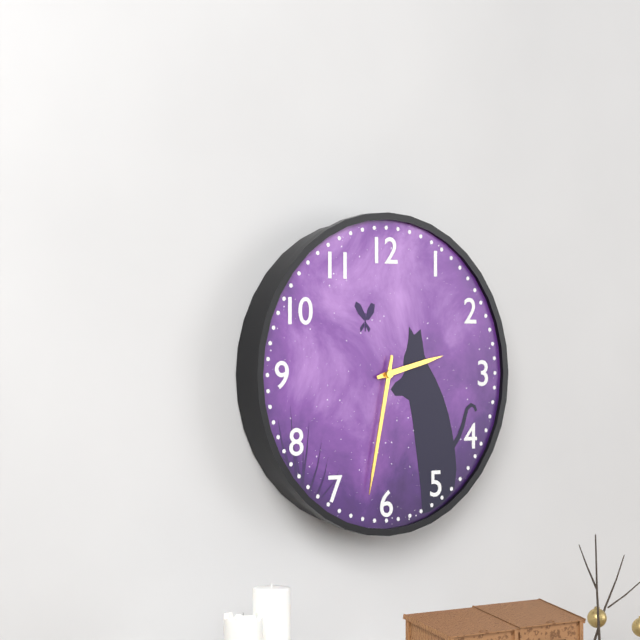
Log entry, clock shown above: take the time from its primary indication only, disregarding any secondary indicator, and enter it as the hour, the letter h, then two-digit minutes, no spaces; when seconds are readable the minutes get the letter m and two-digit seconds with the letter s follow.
2h32
